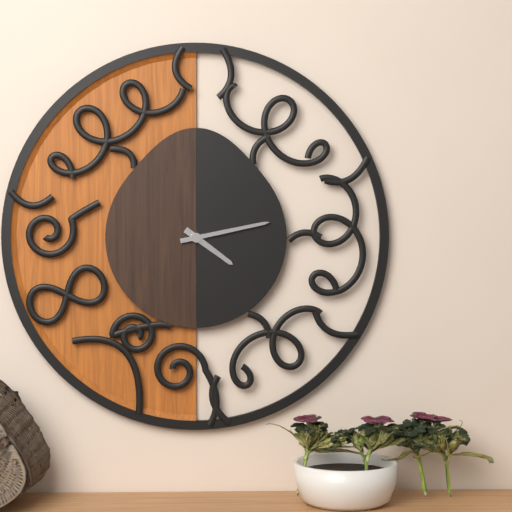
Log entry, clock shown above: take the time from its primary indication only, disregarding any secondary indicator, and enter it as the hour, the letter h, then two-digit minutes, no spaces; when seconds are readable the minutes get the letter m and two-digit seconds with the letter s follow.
4h13
